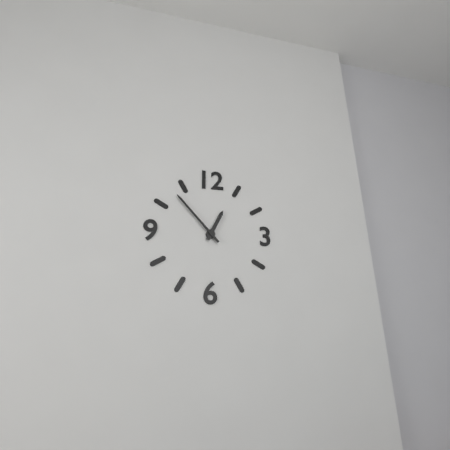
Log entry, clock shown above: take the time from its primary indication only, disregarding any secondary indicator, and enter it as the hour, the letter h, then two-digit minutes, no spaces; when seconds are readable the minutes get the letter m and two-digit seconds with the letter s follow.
12h53
